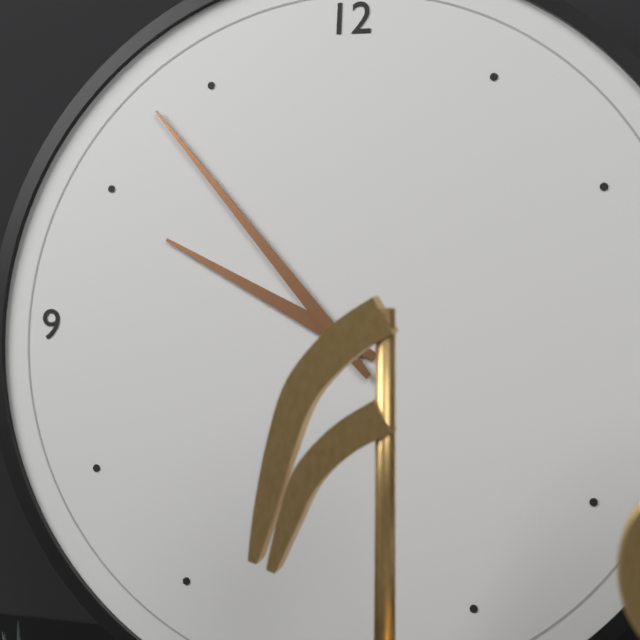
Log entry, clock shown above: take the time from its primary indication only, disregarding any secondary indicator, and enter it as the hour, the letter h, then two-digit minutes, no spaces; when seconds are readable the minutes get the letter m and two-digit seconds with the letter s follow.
9h53
